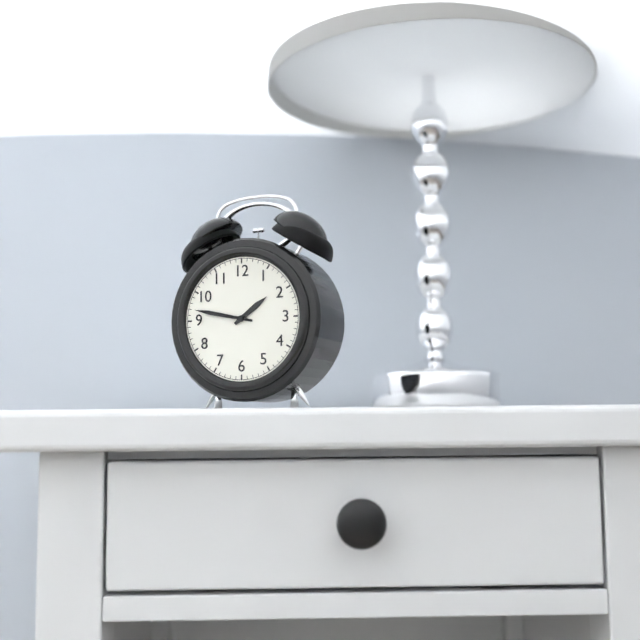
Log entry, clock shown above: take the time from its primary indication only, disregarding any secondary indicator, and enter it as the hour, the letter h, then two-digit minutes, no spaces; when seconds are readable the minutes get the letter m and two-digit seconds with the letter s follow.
1h47
